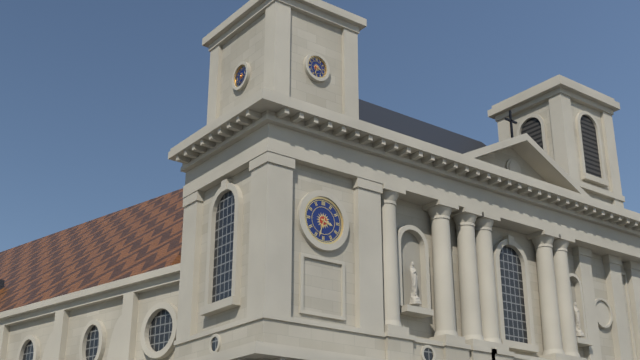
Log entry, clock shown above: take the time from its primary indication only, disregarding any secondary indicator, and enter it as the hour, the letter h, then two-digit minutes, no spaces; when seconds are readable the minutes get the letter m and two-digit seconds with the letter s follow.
3h33
